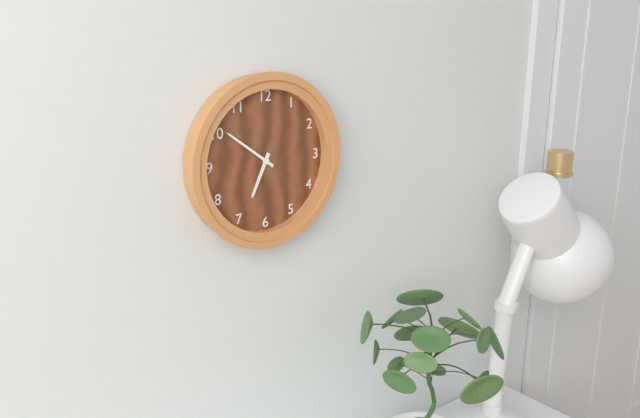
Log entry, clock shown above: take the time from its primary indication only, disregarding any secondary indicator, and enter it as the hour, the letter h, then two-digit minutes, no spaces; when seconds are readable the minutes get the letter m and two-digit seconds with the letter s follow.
6h51
